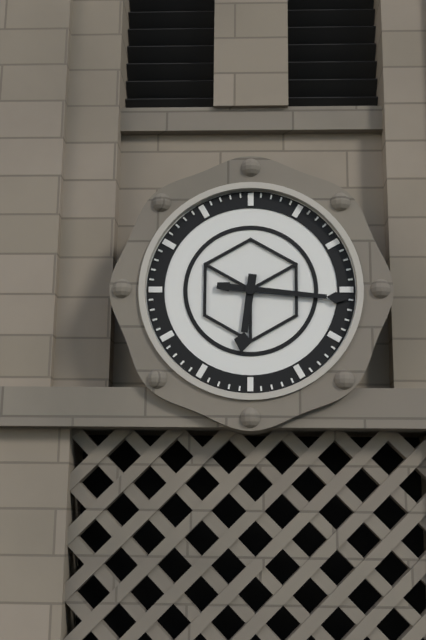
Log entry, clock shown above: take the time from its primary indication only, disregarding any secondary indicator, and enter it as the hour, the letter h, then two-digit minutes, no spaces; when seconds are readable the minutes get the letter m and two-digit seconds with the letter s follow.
6h16
